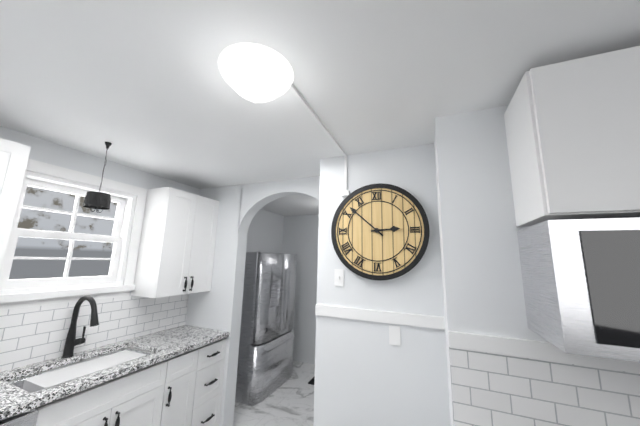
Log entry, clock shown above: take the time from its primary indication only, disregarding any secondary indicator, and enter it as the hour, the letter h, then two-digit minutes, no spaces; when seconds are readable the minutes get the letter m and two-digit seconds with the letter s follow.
2h52
